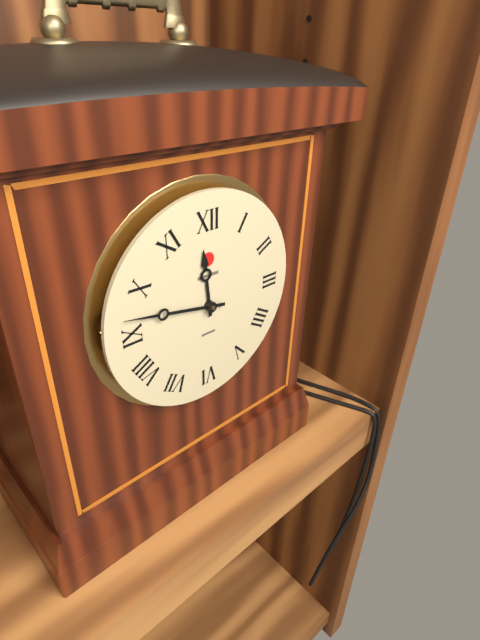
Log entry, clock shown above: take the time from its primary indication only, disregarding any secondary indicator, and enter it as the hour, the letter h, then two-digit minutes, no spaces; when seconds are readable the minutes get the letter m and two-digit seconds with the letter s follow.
11h47
